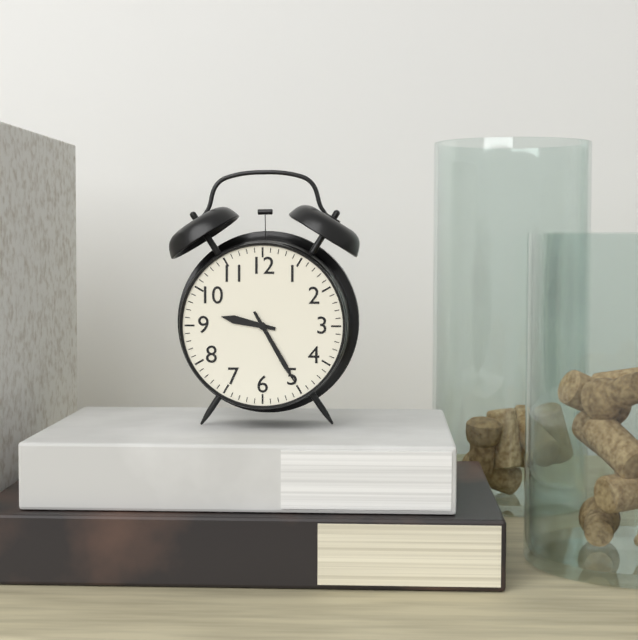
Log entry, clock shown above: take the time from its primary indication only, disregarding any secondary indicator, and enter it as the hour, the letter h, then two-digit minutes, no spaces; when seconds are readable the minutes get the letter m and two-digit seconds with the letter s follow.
9h25
